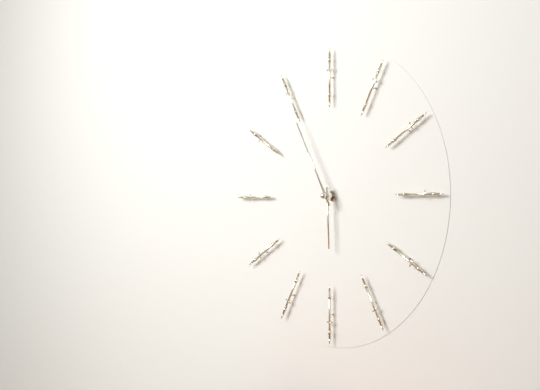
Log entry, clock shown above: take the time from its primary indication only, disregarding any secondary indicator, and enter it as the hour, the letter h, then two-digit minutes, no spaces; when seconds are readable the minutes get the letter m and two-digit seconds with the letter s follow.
5h55
